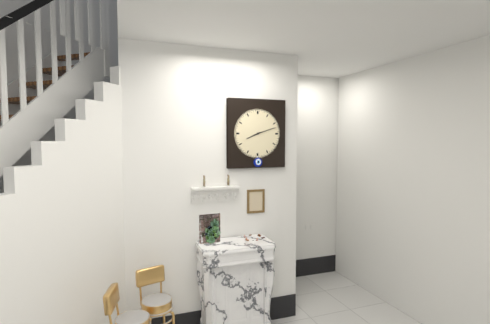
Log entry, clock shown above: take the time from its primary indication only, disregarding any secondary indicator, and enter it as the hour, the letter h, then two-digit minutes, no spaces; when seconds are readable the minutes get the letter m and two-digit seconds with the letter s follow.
8h12
